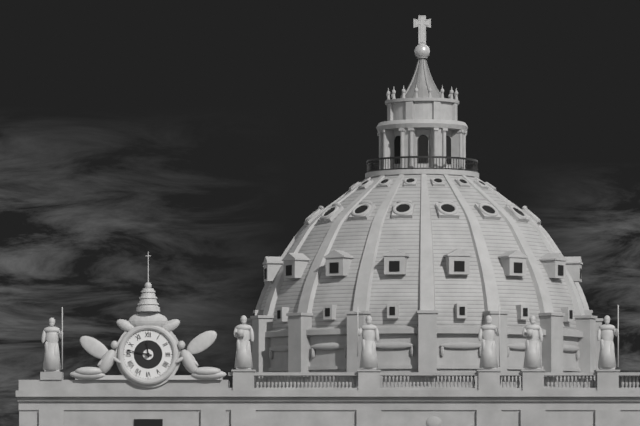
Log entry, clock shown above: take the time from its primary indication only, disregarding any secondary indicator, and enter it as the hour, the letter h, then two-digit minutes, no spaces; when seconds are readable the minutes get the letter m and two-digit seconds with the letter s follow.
11h47
